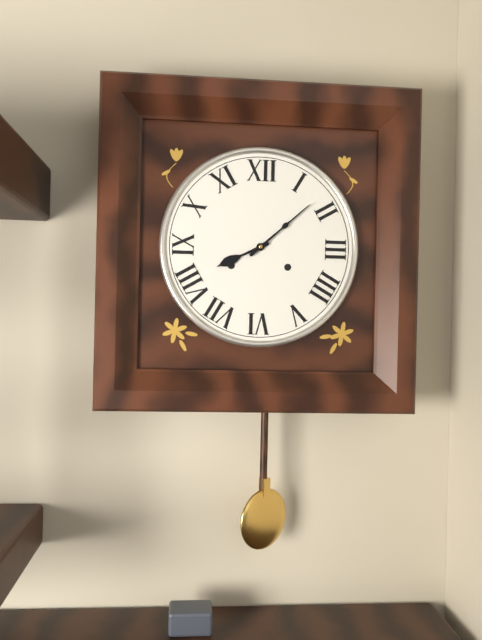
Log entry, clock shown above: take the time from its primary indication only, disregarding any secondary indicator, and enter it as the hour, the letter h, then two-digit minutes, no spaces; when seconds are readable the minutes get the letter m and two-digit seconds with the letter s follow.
8h08
